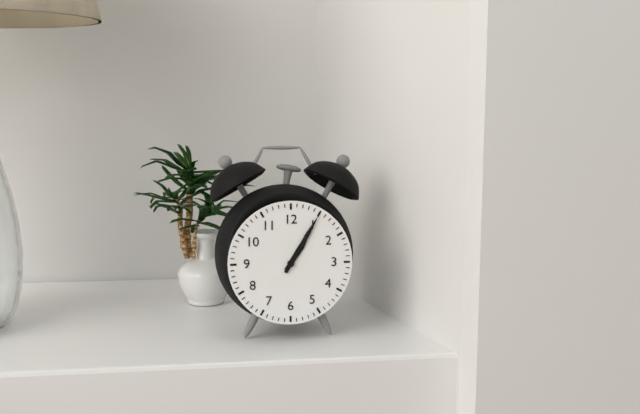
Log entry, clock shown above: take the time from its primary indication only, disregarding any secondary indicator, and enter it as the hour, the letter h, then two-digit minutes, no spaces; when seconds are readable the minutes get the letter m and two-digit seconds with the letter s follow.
1h05
